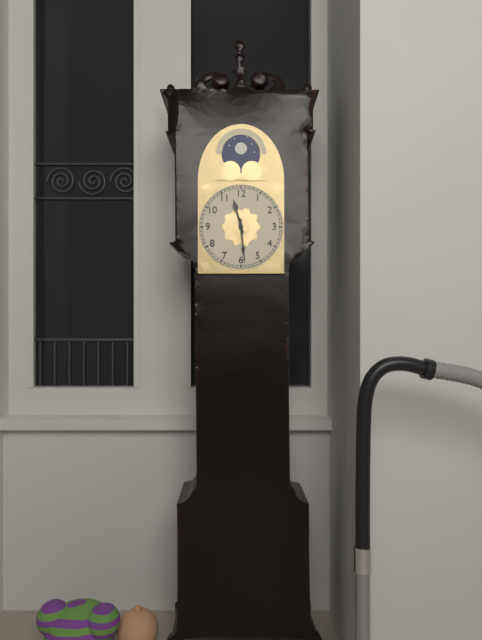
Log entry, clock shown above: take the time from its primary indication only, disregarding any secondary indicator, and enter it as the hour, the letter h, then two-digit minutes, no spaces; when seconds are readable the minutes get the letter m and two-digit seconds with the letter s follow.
11h29
